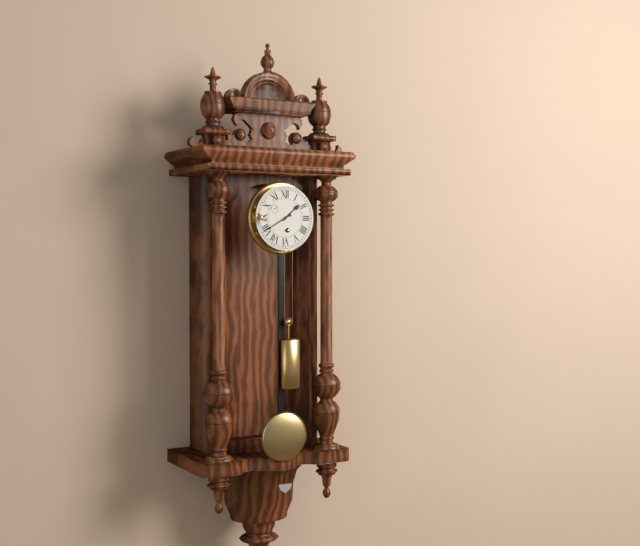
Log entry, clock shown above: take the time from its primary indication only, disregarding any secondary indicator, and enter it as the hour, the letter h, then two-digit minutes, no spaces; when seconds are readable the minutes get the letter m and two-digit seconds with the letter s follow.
1h40
